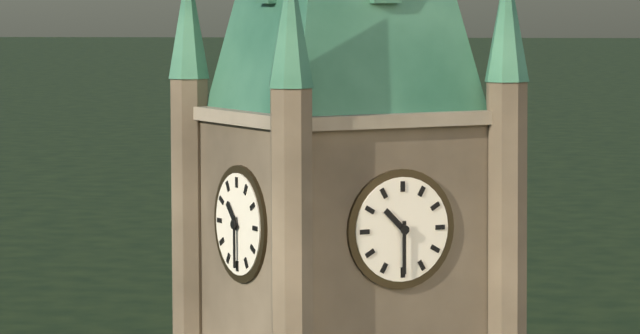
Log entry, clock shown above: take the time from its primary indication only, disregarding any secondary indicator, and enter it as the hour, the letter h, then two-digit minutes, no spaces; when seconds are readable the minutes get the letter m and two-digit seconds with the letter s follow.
10h30
